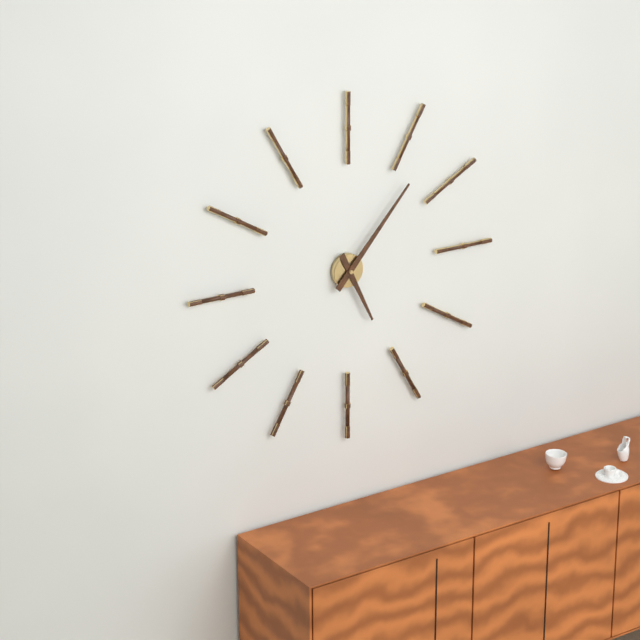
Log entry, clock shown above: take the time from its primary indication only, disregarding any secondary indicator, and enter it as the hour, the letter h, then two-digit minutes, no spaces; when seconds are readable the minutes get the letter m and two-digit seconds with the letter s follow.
5h07
